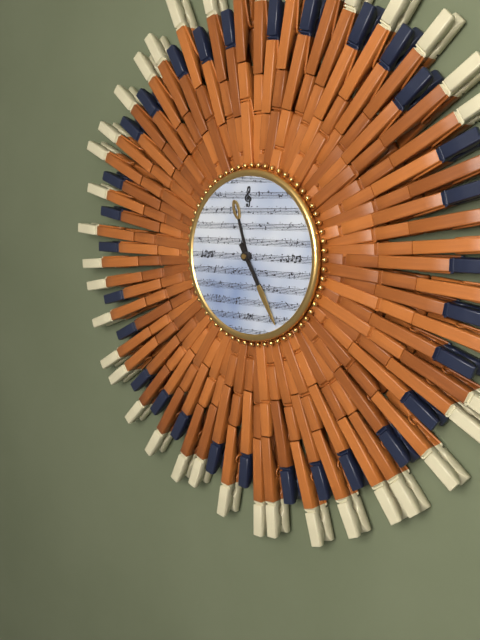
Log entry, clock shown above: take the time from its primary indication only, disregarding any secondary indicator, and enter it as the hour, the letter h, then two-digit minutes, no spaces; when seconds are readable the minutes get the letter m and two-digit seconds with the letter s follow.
11h25
